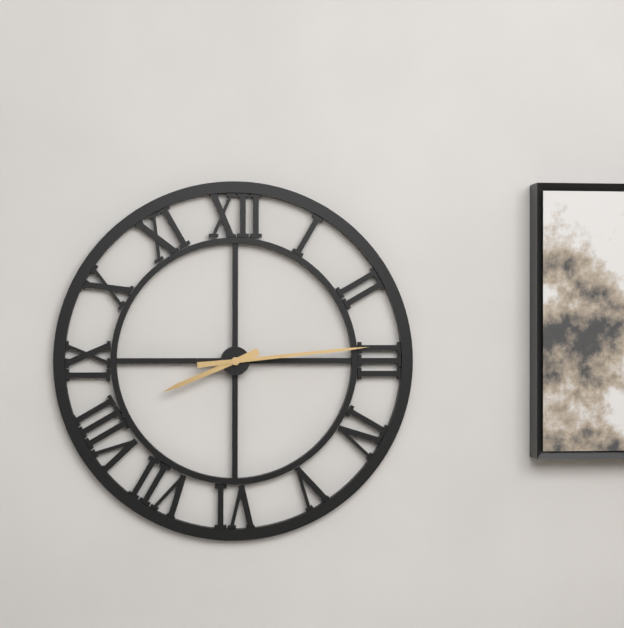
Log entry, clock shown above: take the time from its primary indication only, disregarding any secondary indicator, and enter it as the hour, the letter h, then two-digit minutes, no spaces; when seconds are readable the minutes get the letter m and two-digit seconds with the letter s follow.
8h14
